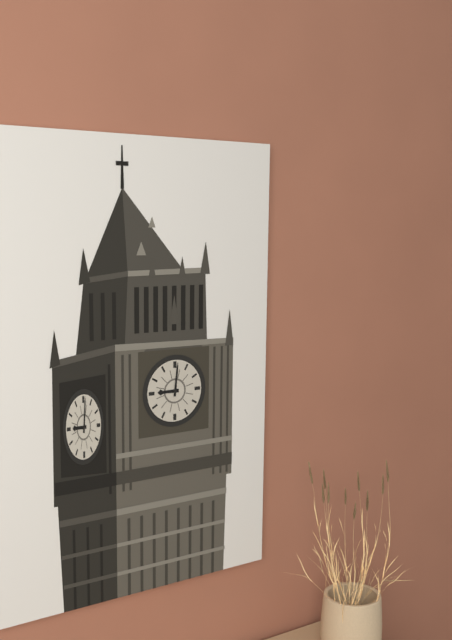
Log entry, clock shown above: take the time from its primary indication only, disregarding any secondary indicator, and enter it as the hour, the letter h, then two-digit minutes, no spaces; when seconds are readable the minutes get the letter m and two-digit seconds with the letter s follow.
9h01
